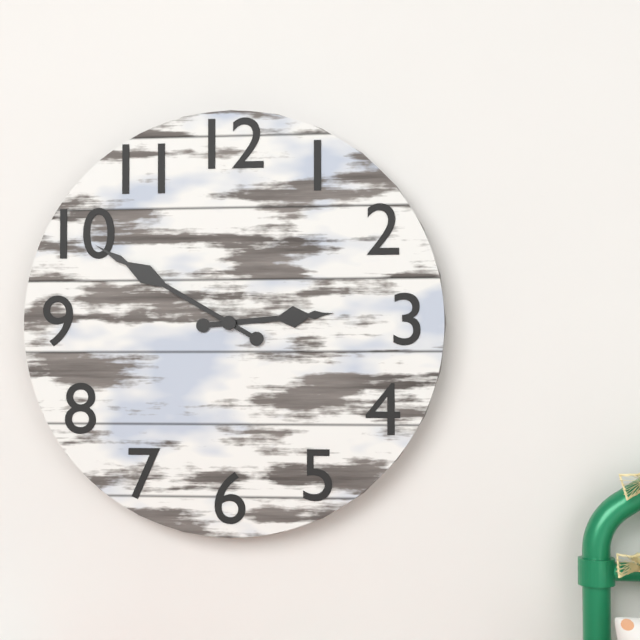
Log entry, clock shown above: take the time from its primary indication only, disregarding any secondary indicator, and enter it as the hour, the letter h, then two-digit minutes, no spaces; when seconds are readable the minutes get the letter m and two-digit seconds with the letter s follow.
2h50
